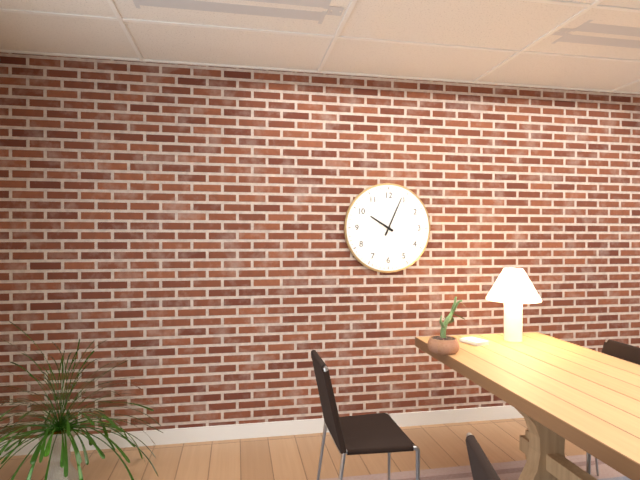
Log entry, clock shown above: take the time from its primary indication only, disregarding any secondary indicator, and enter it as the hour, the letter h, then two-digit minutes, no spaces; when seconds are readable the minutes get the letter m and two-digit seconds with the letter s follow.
10h04
